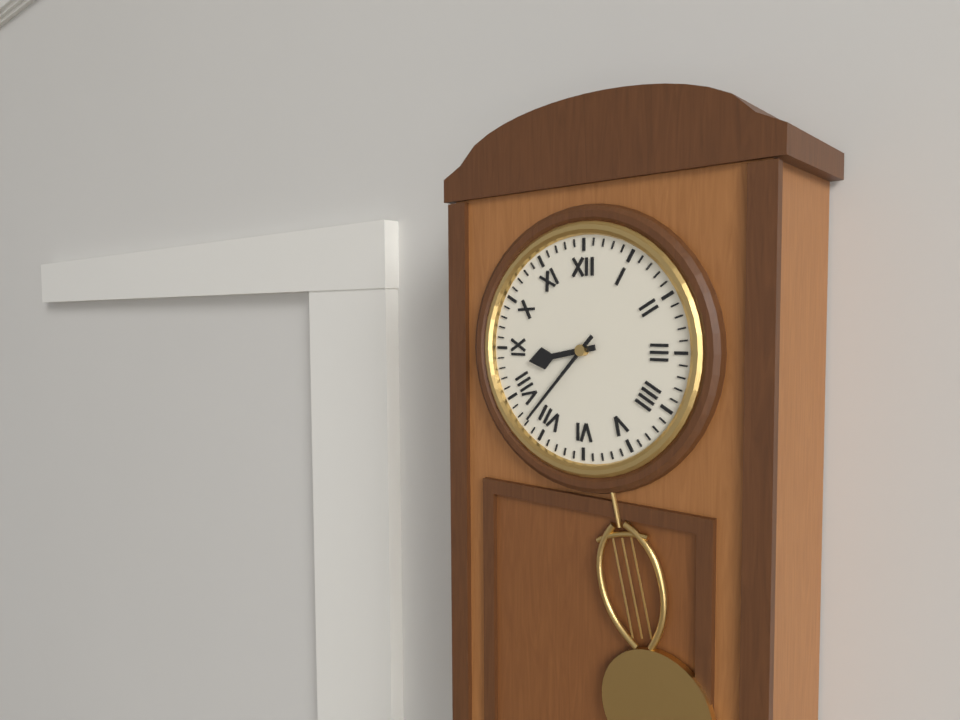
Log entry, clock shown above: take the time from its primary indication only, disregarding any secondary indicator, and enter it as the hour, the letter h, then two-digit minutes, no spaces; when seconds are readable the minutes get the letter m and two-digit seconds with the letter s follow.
8h37
